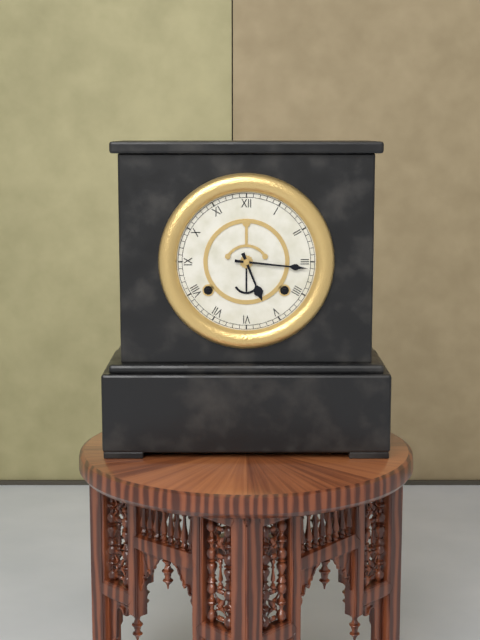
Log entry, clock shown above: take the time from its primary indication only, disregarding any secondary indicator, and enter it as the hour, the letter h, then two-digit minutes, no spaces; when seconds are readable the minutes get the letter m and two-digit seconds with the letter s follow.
5h16
